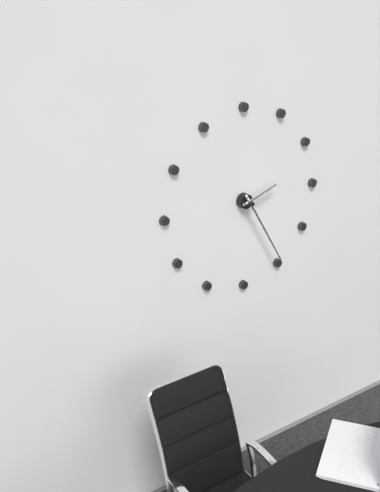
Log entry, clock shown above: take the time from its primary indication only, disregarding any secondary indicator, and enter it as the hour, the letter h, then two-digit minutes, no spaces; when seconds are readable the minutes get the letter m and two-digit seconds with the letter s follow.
2h25
